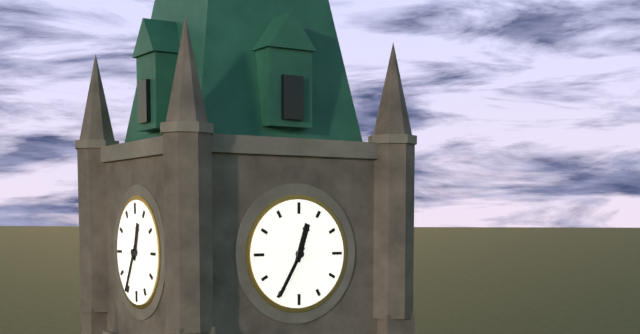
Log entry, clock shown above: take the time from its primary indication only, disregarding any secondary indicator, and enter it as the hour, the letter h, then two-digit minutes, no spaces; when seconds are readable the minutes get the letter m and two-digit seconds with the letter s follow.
12h35
